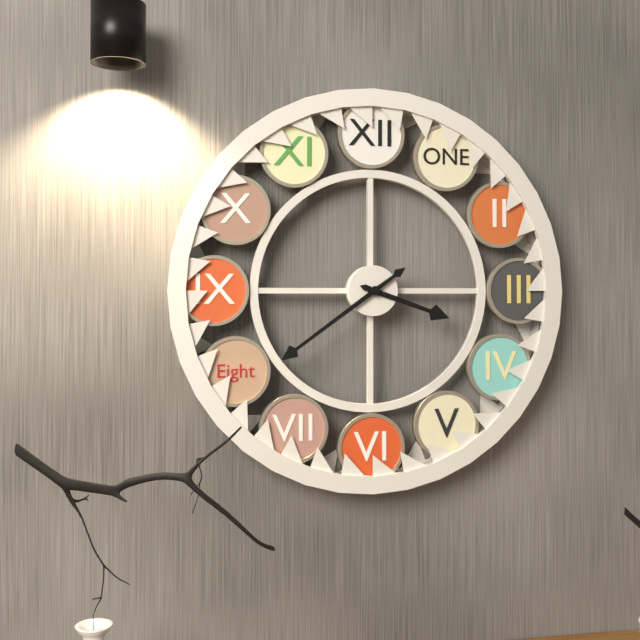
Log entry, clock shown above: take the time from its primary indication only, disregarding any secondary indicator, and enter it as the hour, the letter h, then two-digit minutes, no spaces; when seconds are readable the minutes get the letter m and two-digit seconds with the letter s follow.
3h39
